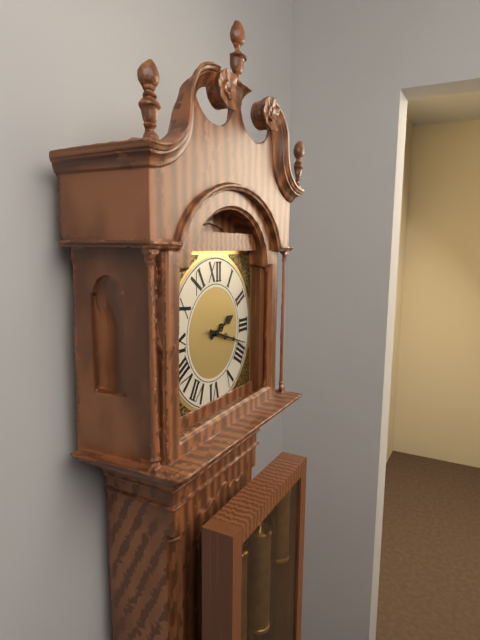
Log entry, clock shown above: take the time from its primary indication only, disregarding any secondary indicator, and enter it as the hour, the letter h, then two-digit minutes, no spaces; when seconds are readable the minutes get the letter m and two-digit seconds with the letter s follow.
2h18
